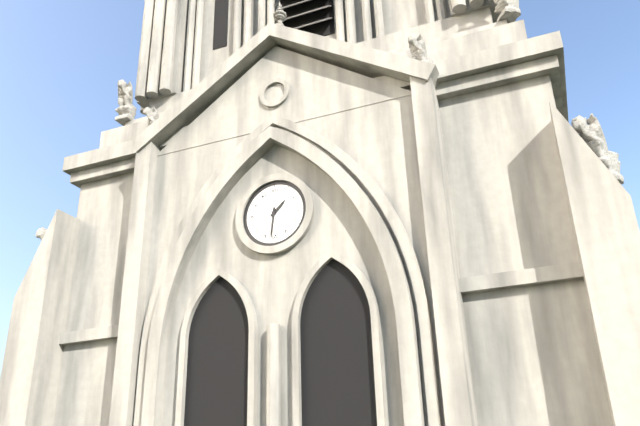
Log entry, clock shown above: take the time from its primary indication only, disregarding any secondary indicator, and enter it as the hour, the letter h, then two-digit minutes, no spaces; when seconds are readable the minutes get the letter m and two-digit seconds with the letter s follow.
1h31
